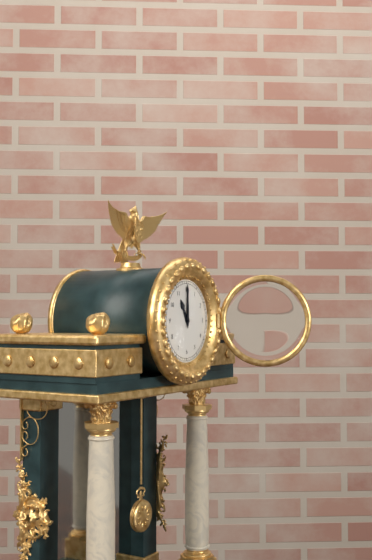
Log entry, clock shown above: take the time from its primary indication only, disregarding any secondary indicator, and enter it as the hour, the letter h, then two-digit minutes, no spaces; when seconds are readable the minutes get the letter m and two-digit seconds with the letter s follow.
11h00
